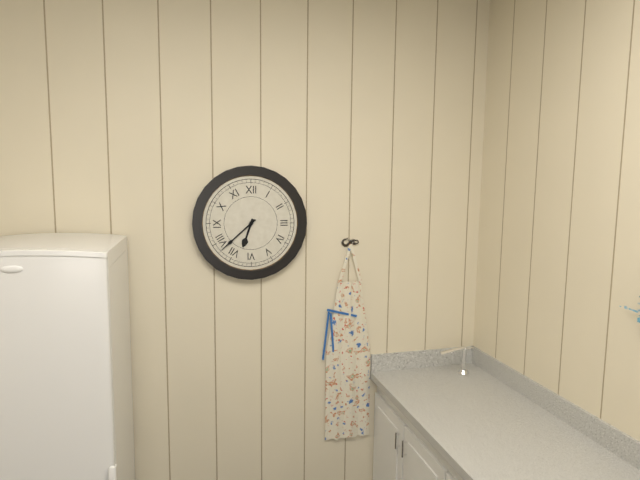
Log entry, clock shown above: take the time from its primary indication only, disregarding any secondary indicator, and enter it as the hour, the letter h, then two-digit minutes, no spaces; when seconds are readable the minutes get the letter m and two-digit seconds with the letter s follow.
6h38
